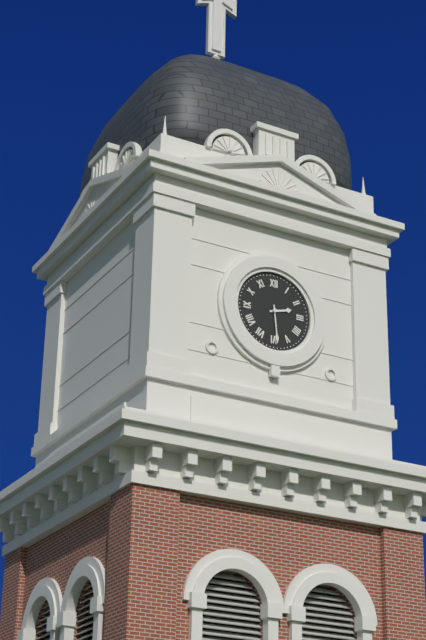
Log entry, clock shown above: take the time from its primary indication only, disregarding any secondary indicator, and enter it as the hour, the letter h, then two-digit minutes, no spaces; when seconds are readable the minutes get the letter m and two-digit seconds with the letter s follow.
2h29
